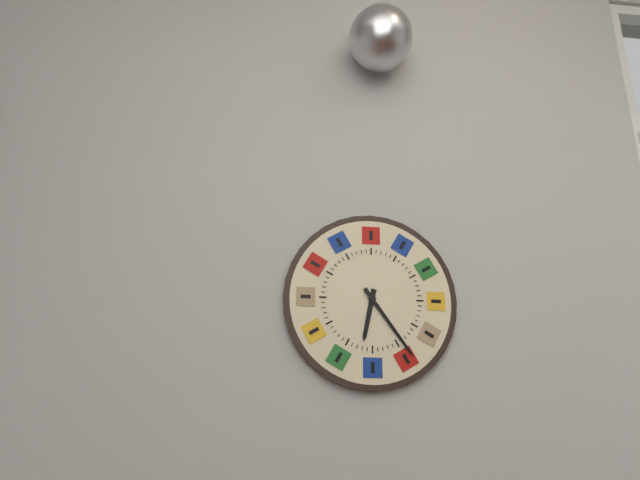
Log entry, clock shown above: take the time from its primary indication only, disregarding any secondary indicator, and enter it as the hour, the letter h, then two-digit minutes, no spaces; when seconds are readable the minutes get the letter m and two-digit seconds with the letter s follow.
6h24
